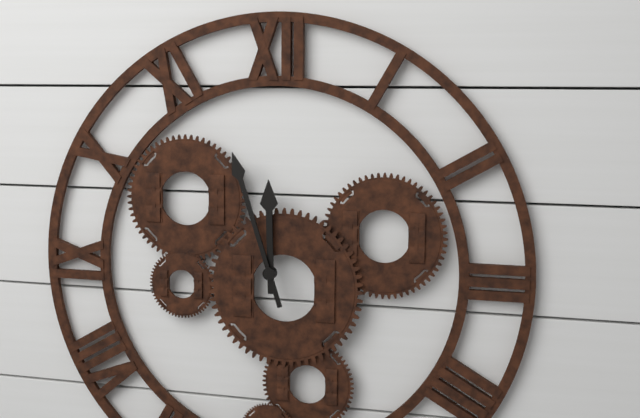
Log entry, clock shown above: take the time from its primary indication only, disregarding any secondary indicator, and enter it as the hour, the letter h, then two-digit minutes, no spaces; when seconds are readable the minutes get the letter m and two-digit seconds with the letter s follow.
11h57
